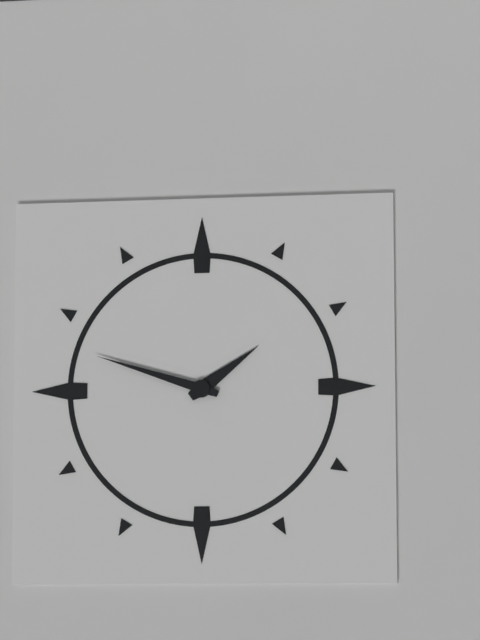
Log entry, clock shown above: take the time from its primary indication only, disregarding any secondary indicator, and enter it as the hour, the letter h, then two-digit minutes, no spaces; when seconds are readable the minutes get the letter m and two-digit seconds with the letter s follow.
1h48
